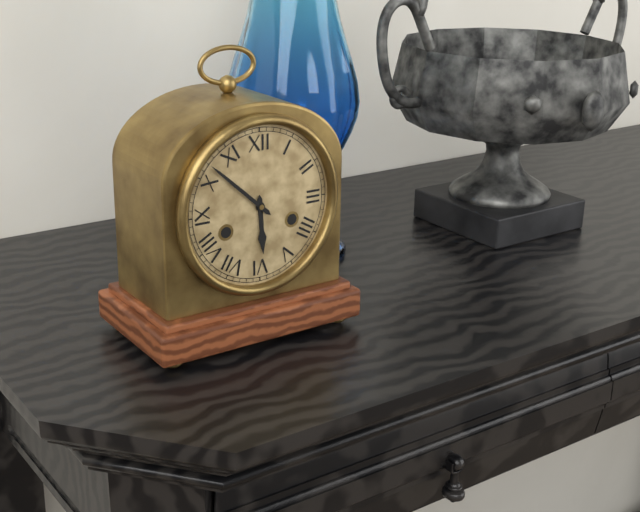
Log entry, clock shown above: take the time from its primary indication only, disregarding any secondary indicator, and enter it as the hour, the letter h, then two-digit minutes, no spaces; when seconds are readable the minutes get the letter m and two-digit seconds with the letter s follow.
5h52
